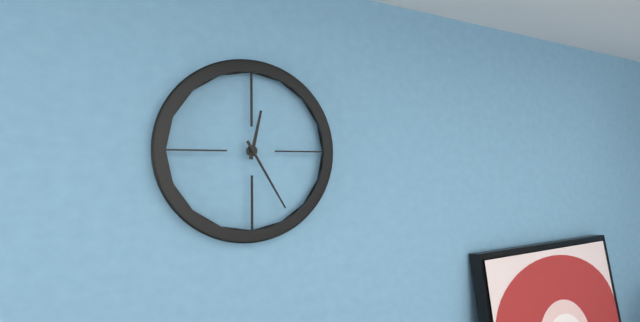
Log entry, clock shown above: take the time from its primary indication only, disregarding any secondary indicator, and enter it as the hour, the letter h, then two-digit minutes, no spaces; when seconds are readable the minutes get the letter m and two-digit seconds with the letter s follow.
12h25
